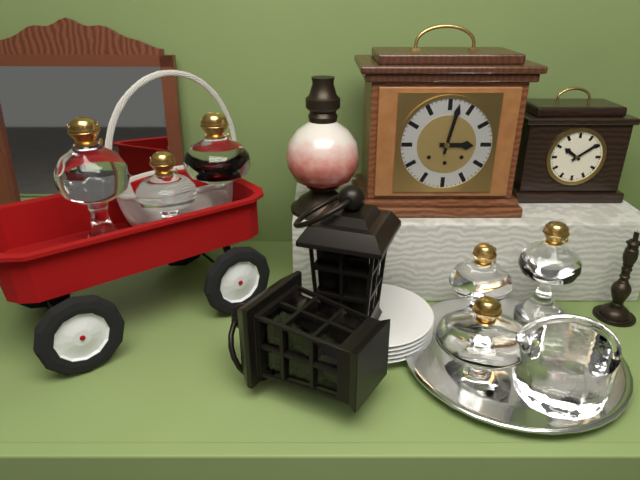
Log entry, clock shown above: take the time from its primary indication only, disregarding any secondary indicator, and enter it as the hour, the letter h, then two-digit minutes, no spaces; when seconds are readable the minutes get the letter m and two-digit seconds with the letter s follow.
3h02
